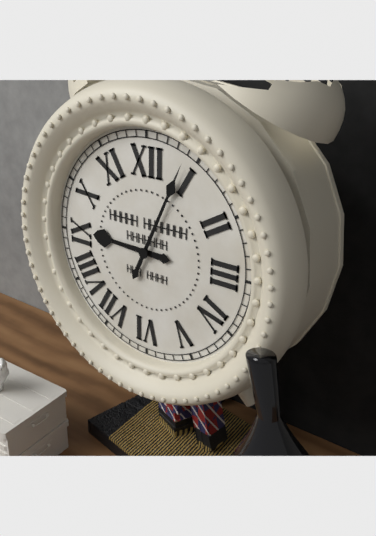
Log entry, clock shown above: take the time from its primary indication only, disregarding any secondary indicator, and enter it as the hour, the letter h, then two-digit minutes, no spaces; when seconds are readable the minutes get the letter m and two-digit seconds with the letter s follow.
9h04
